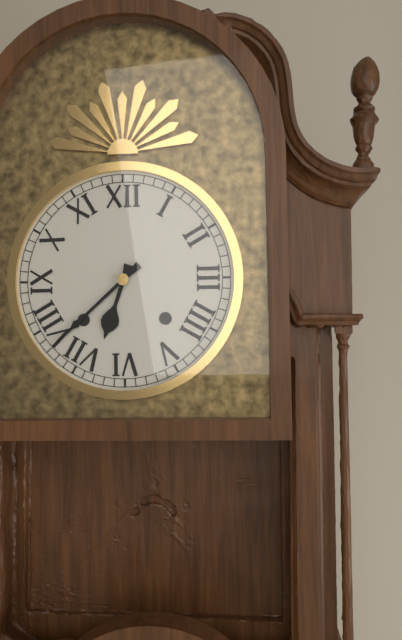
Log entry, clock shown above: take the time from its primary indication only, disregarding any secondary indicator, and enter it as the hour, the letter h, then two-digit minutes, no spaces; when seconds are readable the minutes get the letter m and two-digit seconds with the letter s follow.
6h38
